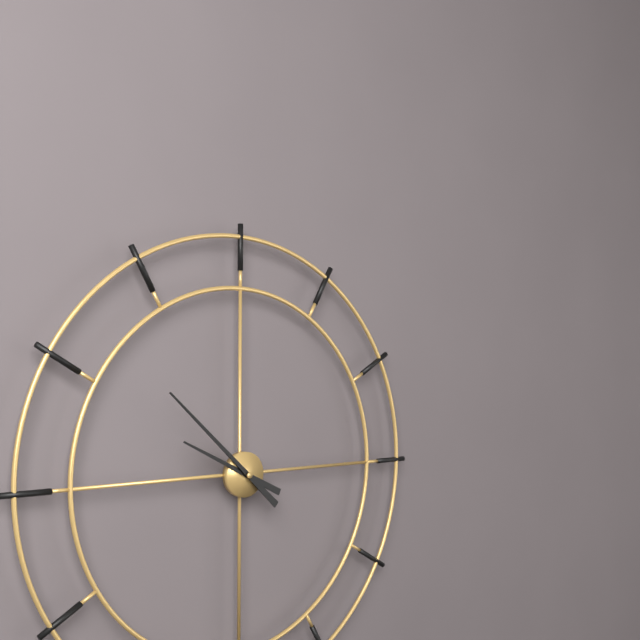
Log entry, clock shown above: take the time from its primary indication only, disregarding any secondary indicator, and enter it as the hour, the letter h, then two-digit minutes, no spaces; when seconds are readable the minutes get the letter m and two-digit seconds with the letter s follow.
9h52
